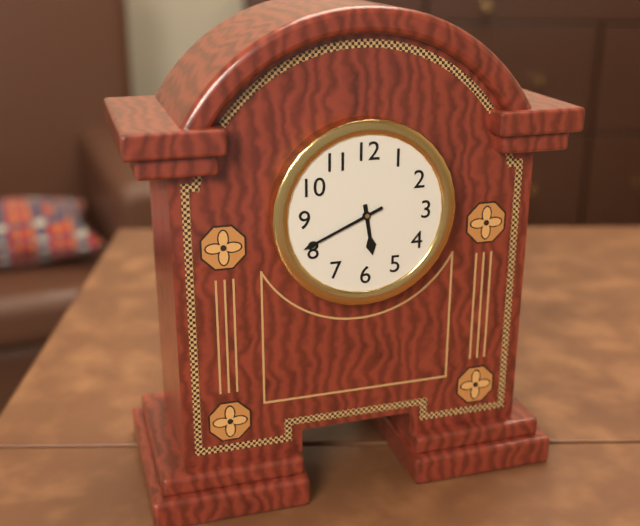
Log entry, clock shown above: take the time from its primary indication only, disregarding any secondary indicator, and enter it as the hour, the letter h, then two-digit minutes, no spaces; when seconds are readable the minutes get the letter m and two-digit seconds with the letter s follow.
5h41
